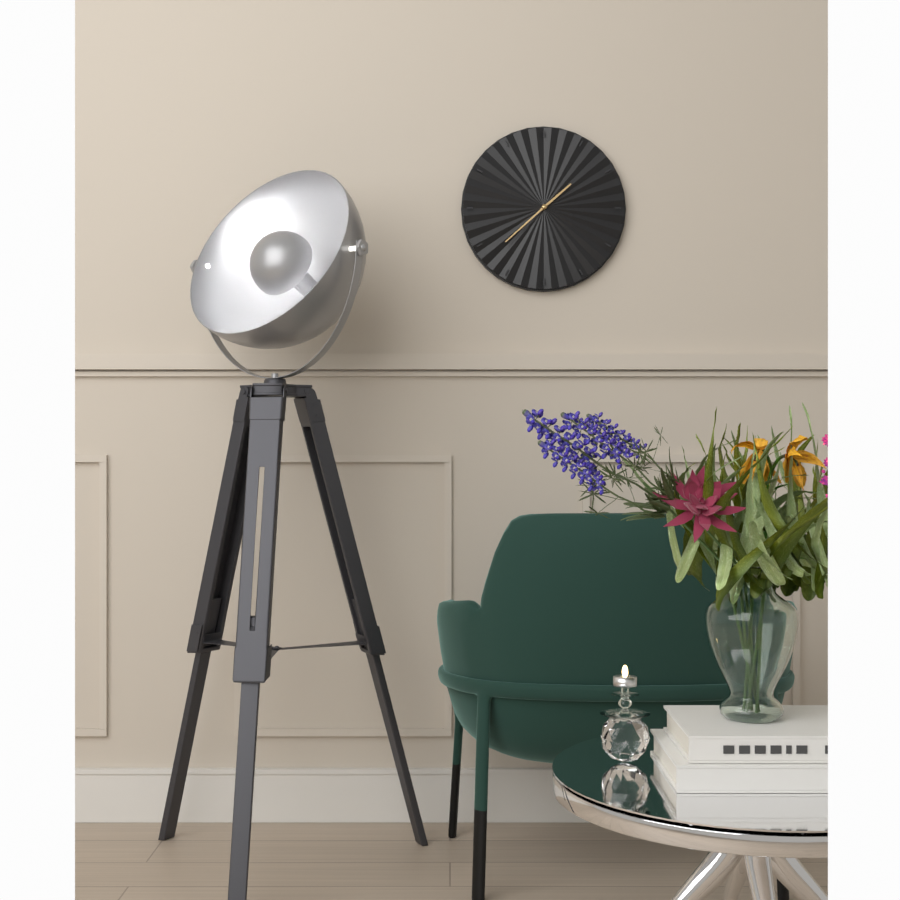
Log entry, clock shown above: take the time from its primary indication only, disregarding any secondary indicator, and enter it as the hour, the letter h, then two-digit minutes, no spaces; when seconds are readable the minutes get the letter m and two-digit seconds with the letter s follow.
1h38
